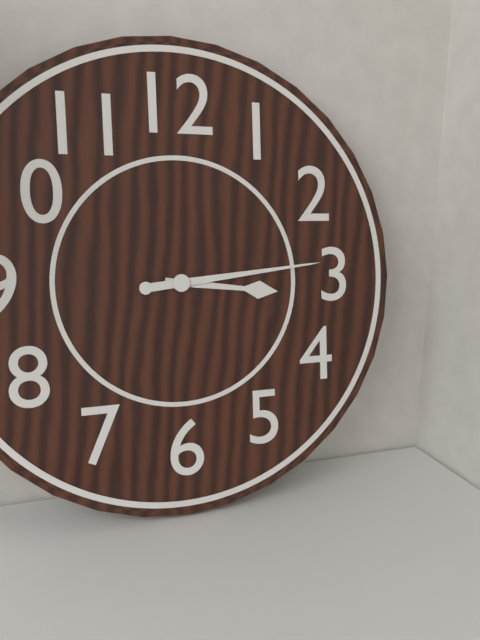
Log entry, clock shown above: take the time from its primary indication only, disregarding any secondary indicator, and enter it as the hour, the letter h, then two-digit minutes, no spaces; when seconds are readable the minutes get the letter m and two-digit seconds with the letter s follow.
3h14
